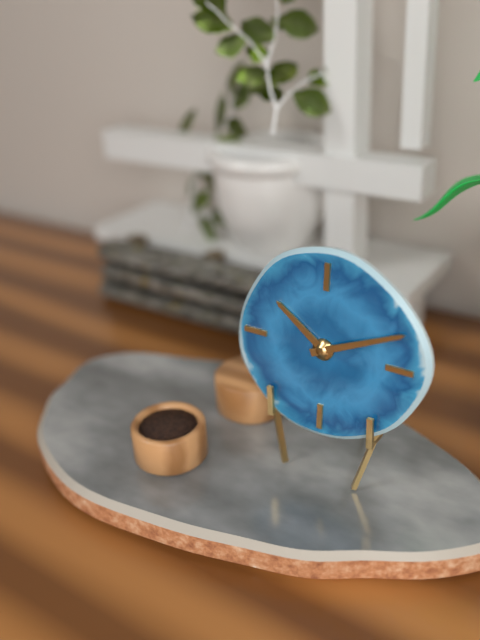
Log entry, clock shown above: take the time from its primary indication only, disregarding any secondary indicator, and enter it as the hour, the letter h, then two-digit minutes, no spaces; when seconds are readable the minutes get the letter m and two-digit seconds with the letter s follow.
10h11
